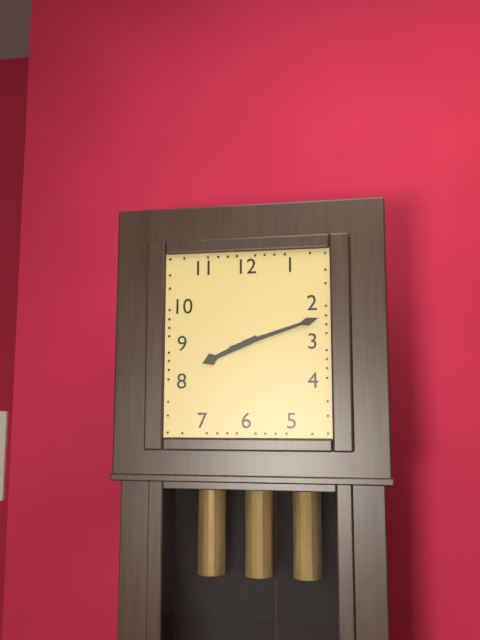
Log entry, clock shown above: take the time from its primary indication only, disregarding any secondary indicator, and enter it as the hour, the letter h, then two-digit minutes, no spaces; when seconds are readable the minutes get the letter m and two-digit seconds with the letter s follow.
8h12
